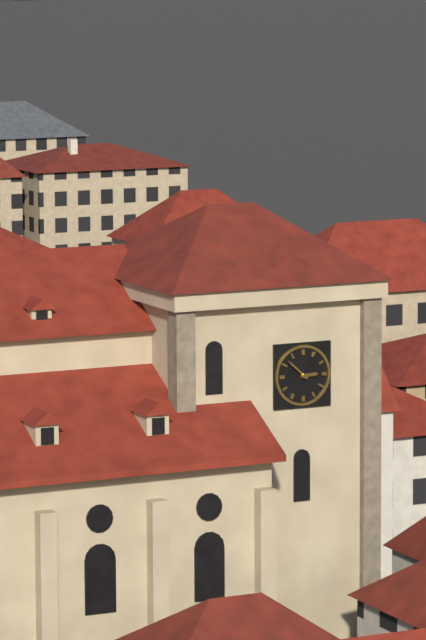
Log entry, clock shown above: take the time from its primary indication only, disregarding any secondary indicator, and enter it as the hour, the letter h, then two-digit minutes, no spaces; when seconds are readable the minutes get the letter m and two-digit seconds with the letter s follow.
2h52
